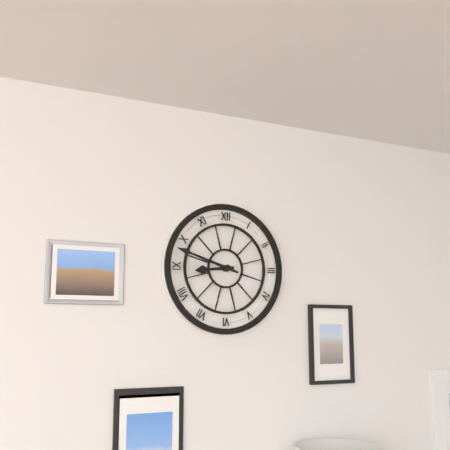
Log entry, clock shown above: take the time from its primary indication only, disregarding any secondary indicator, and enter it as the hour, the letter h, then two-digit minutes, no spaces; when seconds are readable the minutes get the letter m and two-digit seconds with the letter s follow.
8h48
